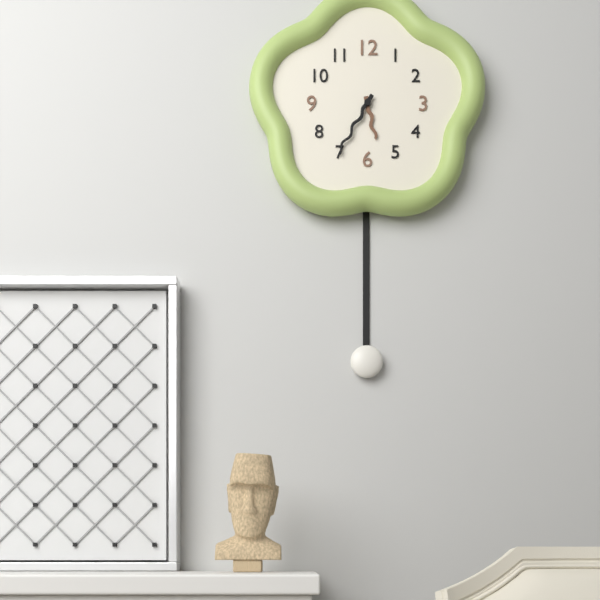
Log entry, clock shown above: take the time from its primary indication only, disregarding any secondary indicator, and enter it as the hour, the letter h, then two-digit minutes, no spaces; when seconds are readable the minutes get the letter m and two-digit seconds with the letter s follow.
5h35
